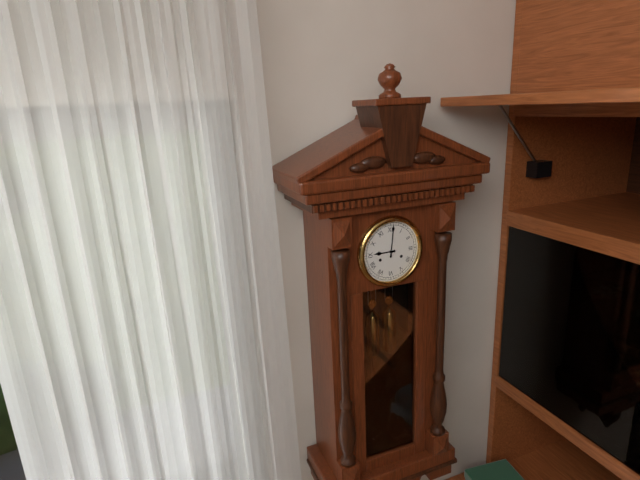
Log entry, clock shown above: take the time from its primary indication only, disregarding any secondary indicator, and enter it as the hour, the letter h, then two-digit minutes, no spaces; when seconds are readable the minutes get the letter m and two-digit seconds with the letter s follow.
9h01
